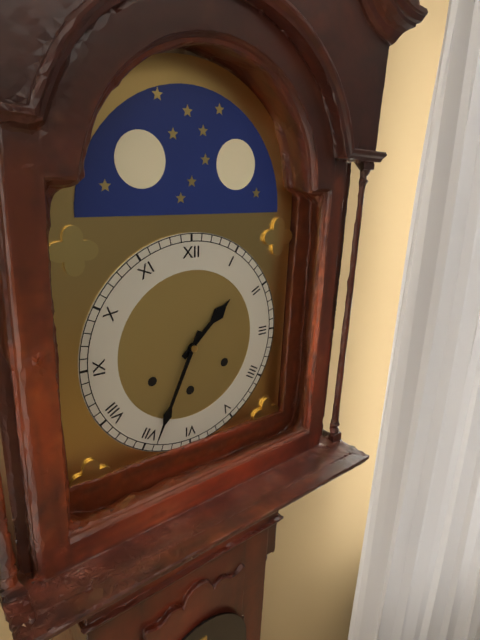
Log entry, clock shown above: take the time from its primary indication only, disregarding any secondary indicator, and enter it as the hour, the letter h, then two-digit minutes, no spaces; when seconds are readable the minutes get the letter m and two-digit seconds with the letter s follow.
1h34
